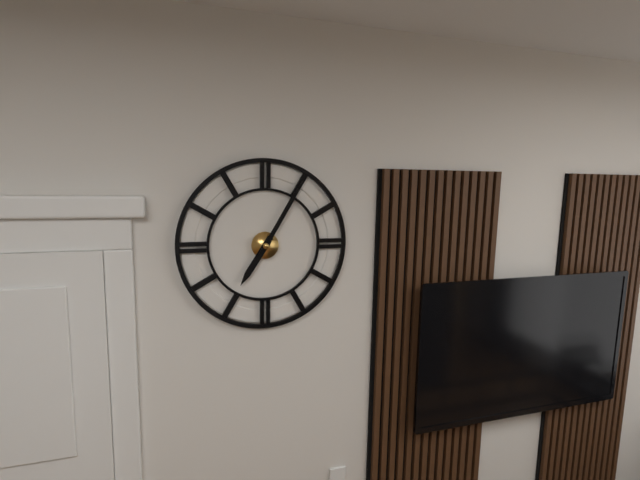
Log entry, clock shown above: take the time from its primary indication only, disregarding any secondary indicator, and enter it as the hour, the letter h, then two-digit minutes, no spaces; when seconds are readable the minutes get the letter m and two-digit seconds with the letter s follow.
7h05
